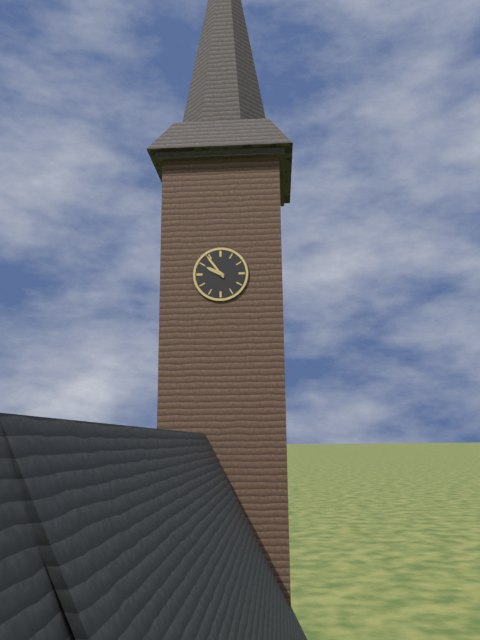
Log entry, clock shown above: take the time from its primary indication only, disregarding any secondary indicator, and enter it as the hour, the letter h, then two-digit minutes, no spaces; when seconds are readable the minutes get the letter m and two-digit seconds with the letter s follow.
9h54
